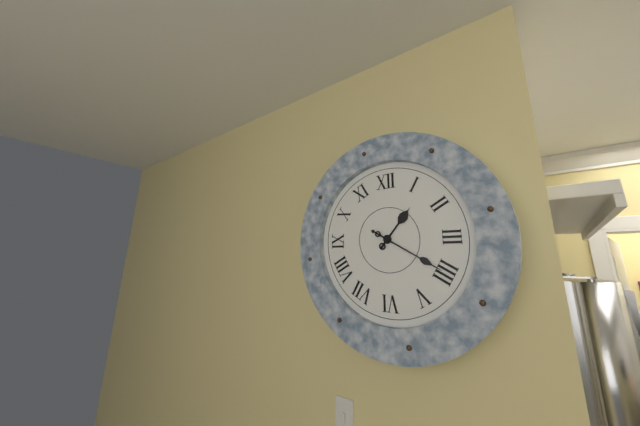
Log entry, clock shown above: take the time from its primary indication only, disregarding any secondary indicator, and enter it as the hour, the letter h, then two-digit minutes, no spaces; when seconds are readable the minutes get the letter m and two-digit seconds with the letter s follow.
1h20
